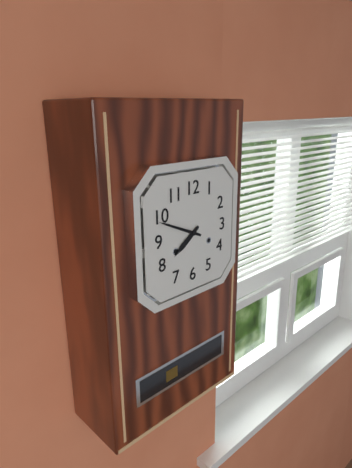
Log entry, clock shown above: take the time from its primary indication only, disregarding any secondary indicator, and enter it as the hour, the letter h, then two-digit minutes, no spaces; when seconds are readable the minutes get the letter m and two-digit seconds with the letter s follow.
7h49
